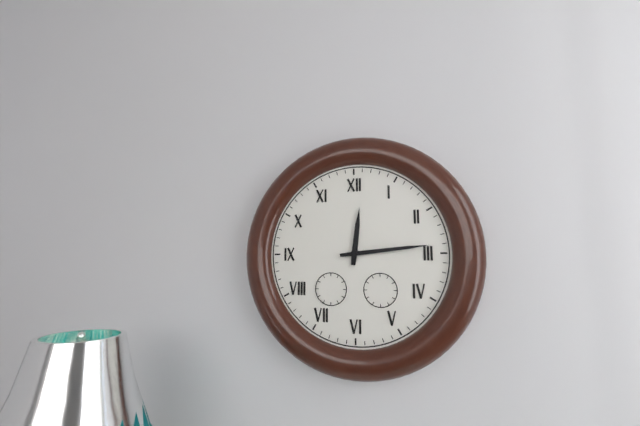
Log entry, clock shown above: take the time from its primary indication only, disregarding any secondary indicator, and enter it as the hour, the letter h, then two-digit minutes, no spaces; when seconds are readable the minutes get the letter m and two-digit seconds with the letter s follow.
12h14
